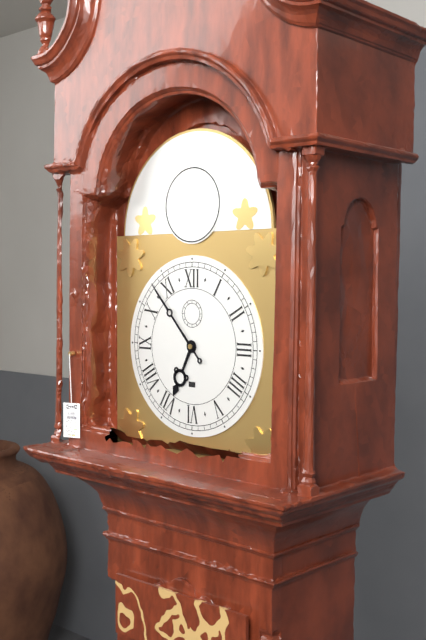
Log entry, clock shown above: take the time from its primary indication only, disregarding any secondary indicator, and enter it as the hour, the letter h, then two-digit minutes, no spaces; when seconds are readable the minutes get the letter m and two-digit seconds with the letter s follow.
6h53
